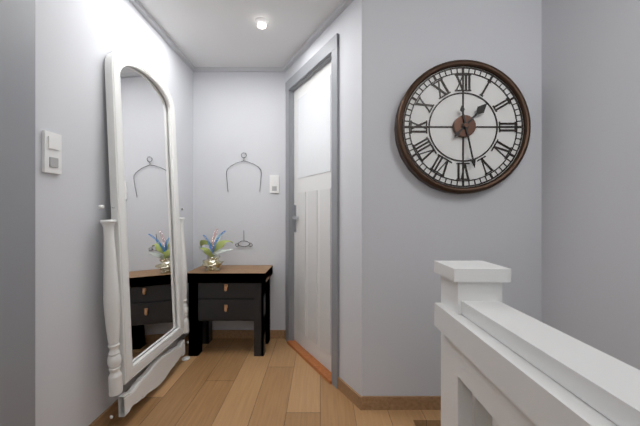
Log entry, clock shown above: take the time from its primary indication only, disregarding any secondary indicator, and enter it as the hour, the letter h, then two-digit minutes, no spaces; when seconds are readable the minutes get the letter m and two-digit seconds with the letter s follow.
1h28
